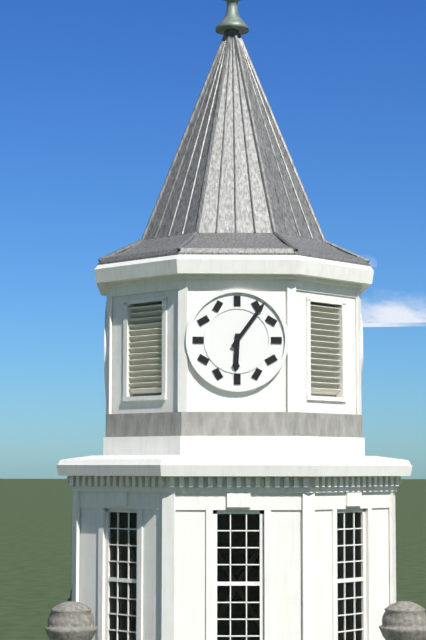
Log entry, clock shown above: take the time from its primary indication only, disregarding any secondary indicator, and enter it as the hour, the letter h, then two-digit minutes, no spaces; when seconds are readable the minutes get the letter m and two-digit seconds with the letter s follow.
6h06
